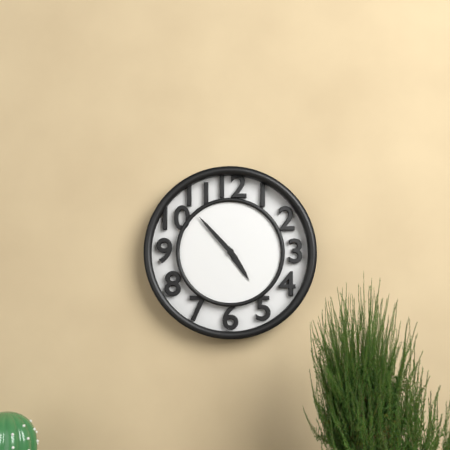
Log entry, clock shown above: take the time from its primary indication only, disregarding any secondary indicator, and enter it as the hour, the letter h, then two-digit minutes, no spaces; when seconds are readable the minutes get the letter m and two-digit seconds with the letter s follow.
4h53
